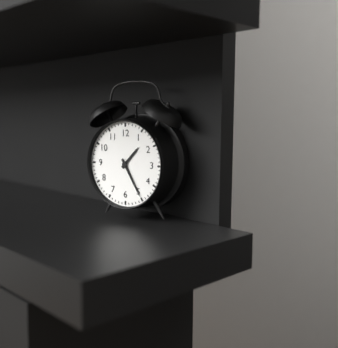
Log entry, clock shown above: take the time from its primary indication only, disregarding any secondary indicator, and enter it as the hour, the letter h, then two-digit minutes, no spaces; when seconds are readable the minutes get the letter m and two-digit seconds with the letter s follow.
1h25
